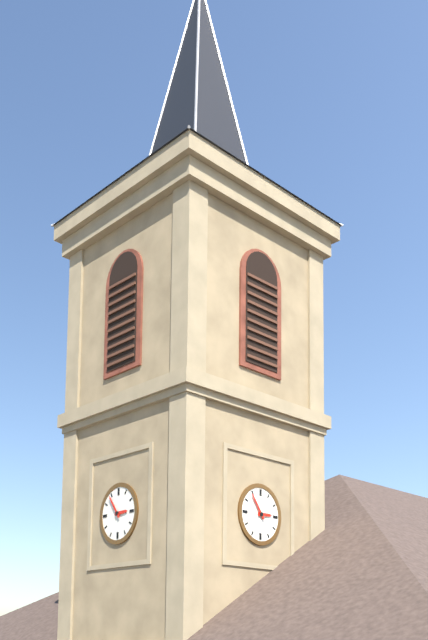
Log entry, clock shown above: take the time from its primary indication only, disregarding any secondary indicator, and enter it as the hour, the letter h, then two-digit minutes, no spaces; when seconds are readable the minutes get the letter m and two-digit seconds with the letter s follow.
2h54
